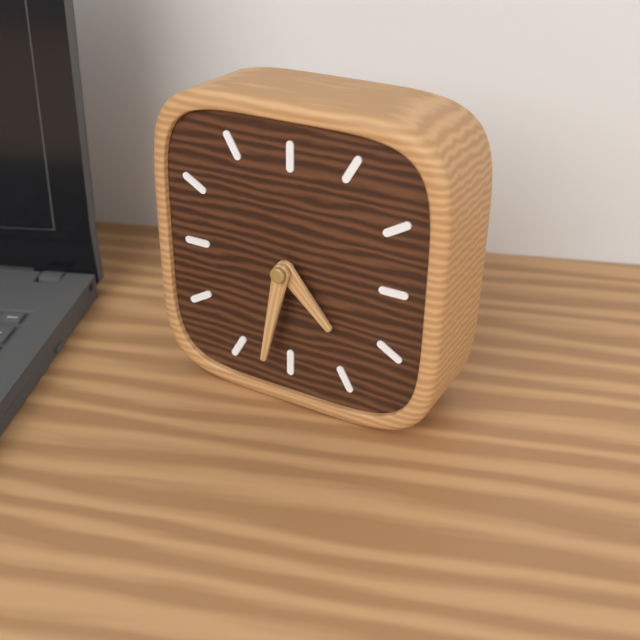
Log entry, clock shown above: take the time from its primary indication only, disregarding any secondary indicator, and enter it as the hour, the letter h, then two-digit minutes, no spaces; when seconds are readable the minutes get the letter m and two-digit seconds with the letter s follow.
4h32
